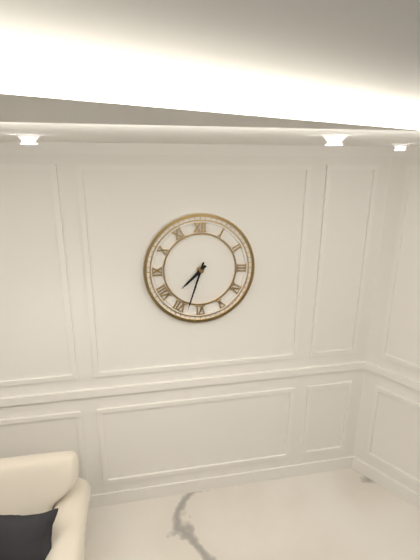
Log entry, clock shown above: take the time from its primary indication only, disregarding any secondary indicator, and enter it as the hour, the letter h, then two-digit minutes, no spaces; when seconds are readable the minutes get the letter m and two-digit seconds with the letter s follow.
7h33
